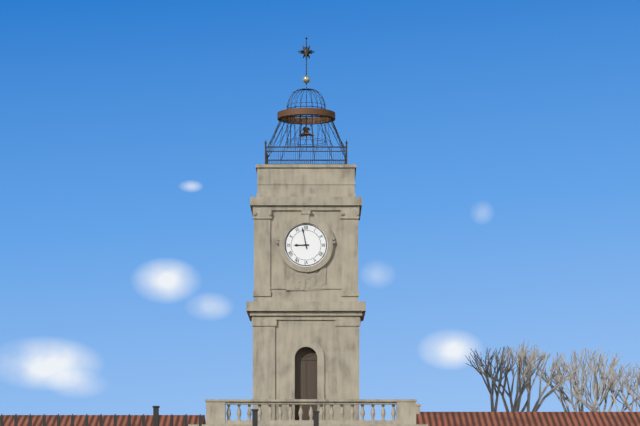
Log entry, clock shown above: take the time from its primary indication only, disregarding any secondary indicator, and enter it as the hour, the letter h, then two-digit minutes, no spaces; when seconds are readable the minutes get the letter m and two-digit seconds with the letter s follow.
8h58
